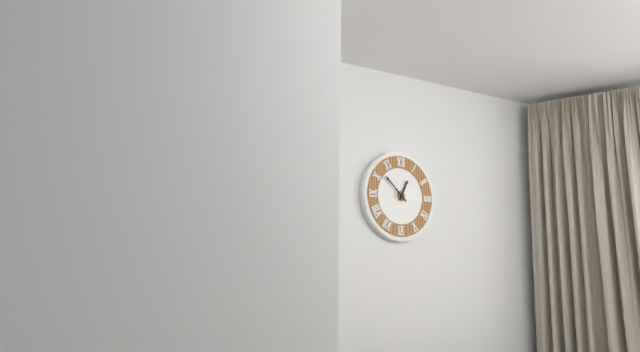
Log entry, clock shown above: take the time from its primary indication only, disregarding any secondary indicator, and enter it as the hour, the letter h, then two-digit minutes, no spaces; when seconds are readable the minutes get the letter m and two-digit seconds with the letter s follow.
12h52
